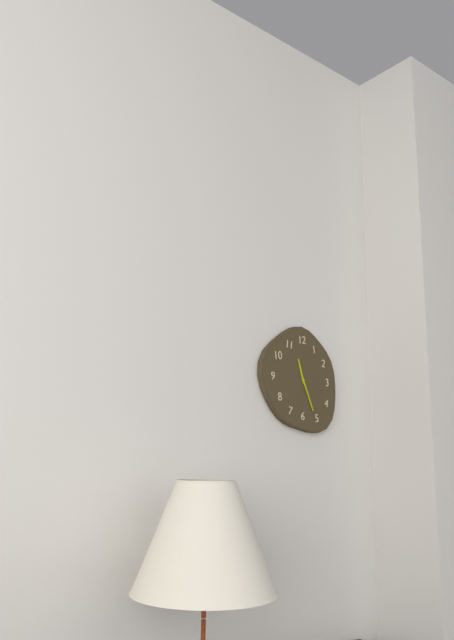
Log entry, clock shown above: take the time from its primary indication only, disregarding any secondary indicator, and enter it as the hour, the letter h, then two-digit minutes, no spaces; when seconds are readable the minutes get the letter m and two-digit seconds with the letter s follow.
11h26
